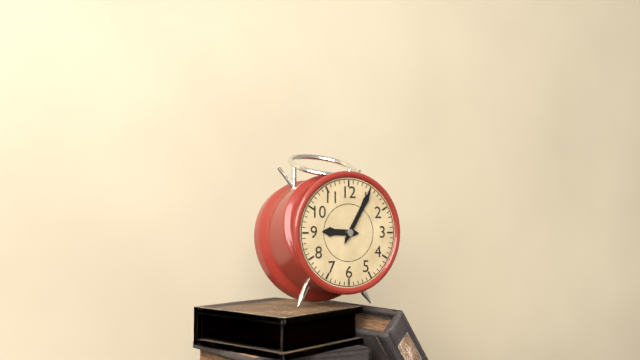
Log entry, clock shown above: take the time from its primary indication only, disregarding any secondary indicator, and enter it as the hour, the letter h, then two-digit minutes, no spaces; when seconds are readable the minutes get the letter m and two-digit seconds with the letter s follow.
9h05
